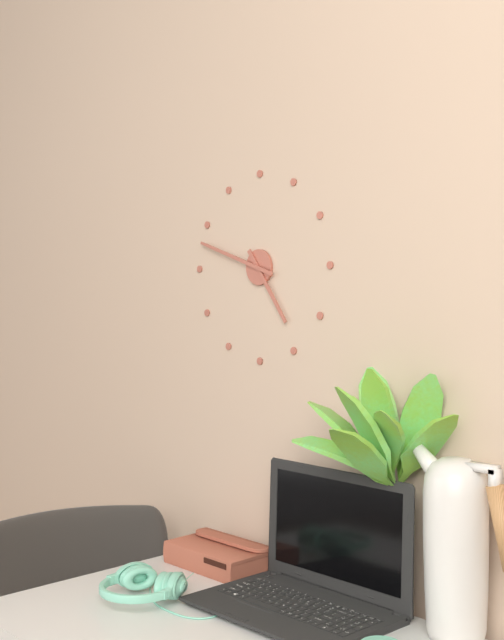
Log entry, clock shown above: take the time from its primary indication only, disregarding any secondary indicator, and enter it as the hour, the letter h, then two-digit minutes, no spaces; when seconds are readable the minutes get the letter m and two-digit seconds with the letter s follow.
4h48
